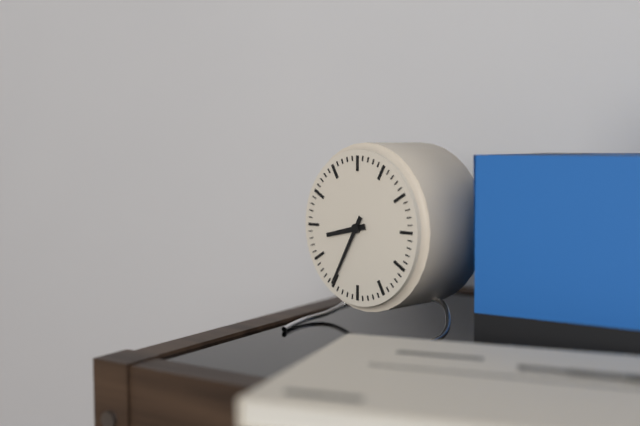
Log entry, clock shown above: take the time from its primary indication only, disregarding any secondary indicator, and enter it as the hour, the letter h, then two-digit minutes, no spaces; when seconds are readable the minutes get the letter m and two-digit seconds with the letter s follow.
8h35
